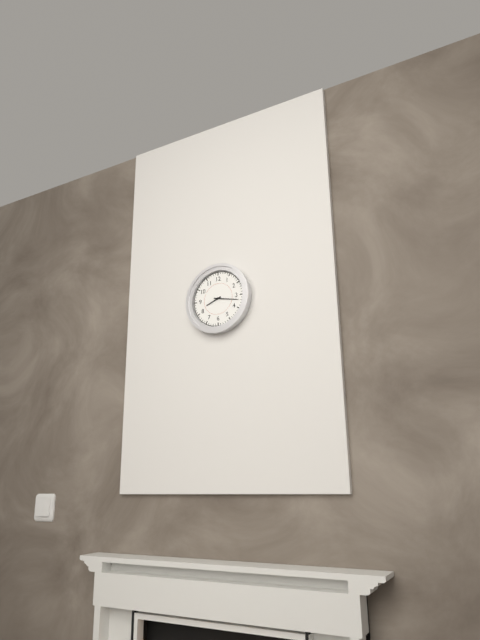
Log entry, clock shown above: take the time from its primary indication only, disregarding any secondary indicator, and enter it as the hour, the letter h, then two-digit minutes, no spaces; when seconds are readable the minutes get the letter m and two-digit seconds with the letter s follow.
8h17
